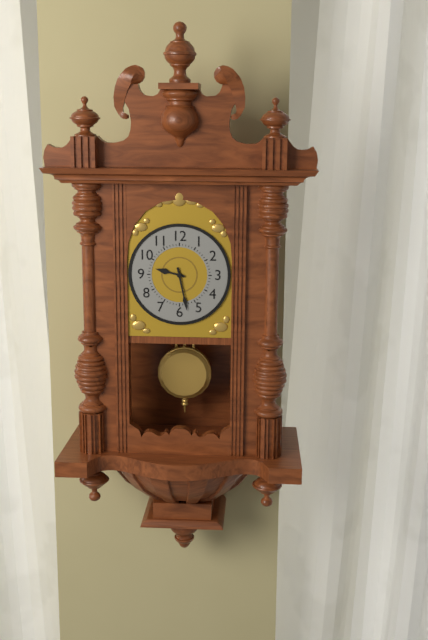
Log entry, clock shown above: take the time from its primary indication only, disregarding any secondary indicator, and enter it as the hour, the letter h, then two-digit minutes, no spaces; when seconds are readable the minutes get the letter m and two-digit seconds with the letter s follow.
9h28
